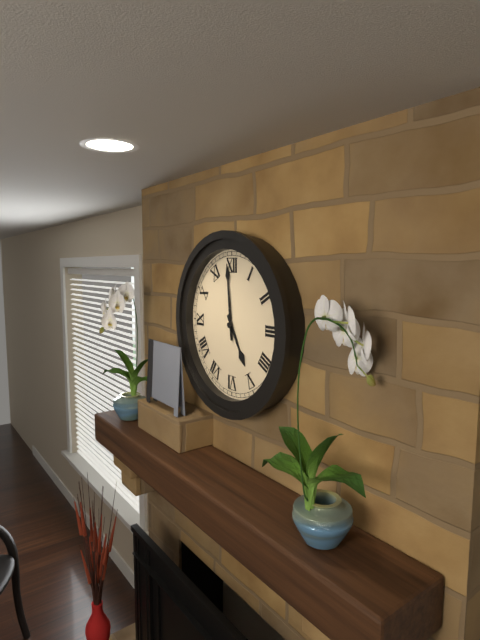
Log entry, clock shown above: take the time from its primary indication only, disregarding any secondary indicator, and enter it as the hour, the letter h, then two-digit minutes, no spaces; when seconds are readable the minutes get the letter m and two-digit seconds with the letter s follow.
4h59
